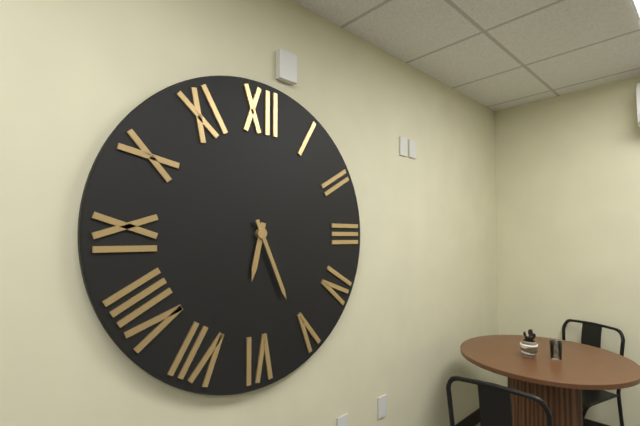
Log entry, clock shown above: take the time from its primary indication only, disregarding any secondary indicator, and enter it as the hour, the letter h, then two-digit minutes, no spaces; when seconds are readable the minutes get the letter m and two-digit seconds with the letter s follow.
6h26
